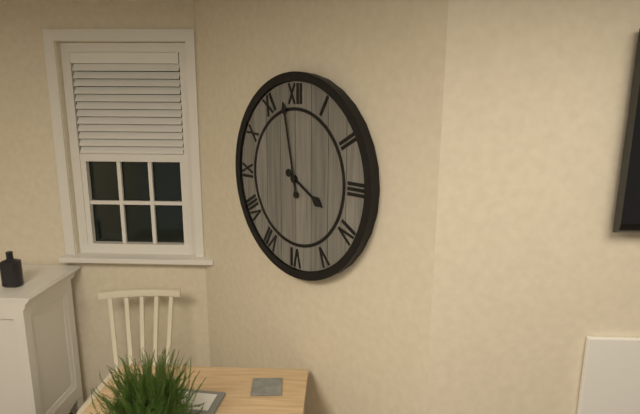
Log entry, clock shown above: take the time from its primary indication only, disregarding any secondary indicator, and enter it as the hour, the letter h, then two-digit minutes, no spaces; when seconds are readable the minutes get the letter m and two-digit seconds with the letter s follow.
3h58
